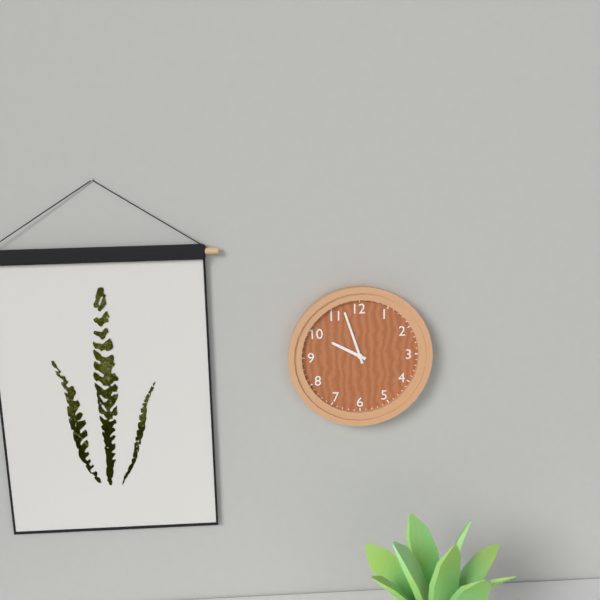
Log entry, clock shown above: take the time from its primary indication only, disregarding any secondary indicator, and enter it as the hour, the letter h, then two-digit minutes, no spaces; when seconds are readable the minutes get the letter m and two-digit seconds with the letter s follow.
9h57
